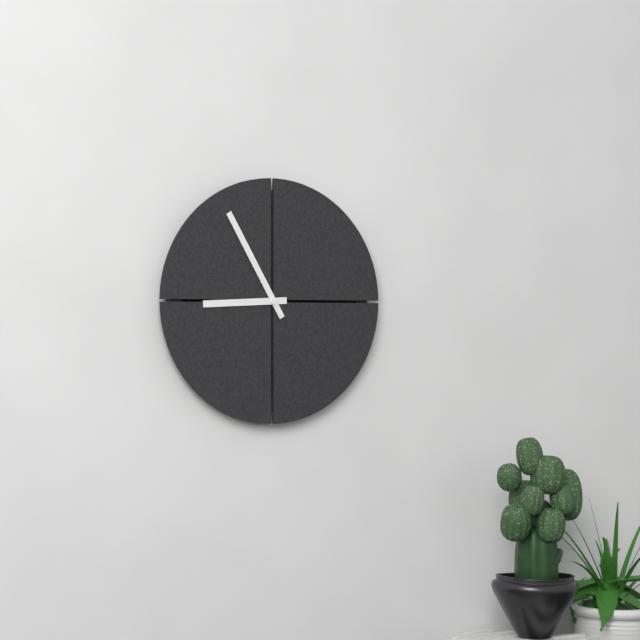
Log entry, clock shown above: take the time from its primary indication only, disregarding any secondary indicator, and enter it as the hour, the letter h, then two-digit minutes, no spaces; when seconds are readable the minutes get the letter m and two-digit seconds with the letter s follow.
8h55
